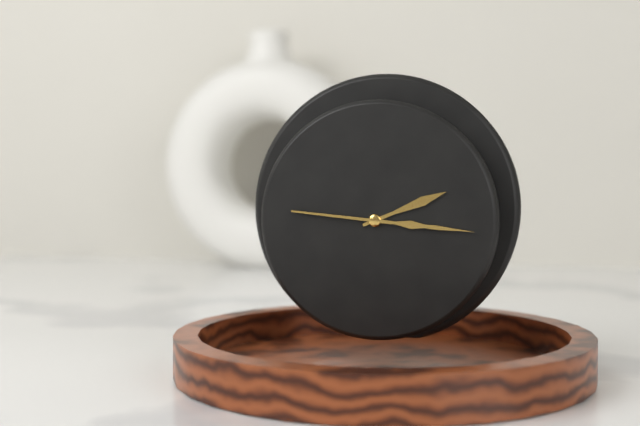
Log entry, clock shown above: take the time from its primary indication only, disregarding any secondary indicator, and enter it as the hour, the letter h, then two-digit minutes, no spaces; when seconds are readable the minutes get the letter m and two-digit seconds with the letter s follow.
2h16
